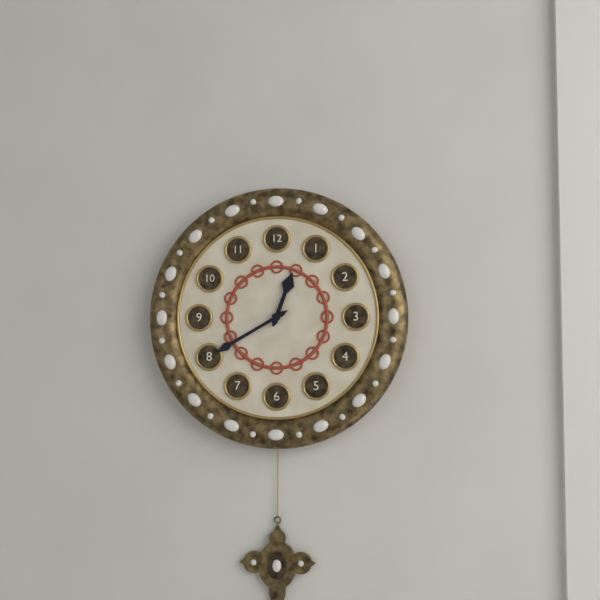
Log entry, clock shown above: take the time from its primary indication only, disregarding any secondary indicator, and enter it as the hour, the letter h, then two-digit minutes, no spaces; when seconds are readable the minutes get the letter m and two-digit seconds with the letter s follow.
12h40
